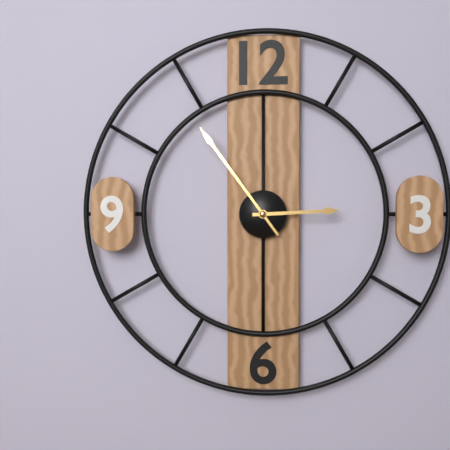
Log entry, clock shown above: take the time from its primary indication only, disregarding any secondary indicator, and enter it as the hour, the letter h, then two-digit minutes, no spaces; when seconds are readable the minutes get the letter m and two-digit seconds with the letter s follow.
2h54
